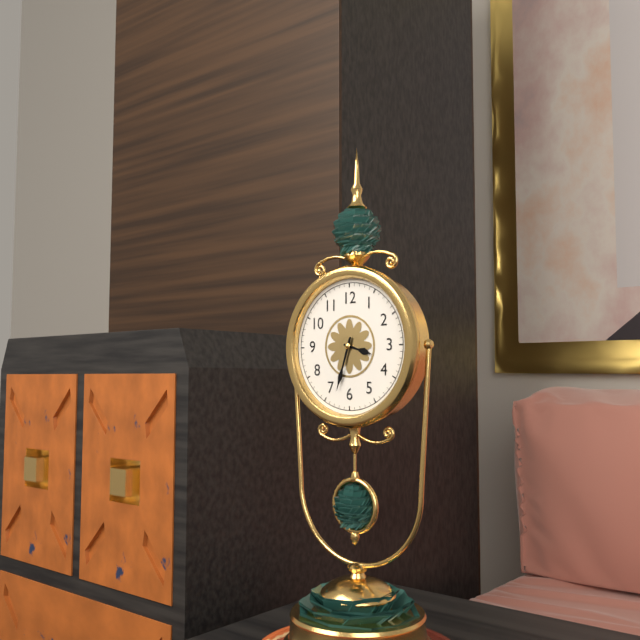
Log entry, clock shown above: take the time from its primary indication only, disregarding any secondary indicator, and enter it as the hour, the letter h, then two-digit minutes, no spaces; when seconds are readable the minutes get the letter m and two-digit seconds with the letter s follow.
3h33
